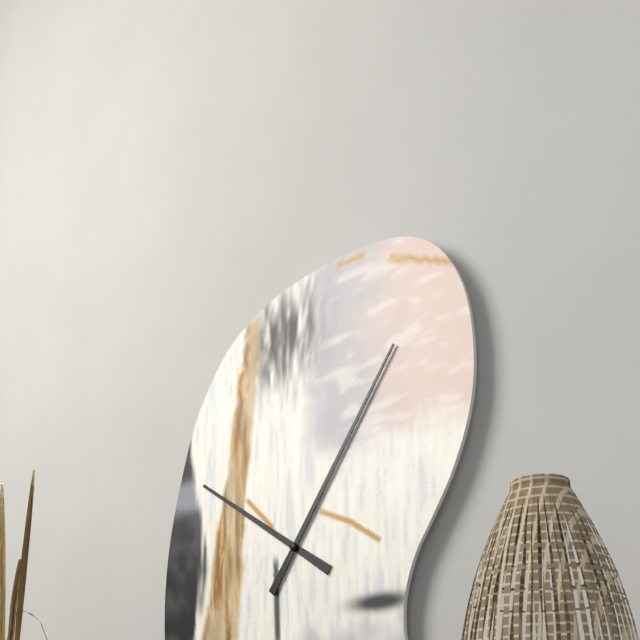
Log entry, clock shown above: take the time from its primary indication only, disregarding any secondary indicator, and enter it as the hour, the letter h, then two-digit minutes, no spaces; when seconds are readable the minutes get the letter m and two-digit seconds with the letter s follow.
10h06
